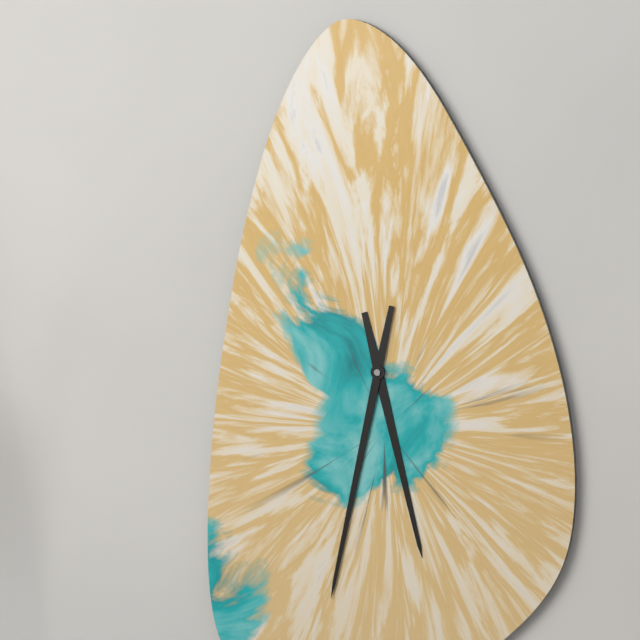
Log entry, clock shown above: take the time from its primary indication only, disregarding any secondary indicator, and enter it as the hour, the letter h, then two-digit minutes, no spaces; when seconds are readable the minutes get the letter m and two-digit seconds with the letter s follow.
5h32
